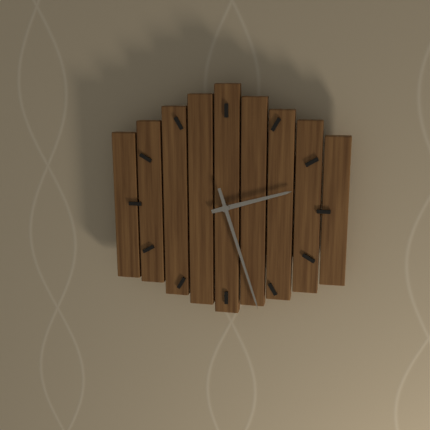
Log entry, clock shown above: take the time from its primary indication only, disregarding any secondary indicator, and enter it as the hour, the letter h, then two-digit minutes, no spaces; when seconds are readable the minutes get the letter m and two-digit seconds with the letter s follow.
2h27
